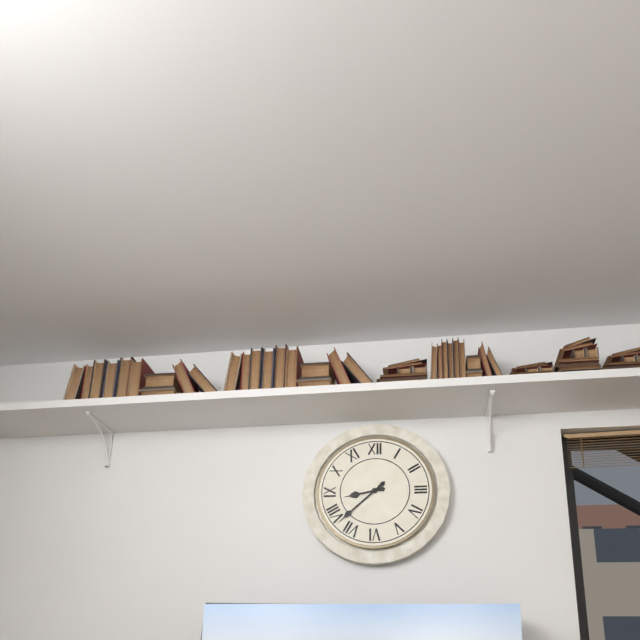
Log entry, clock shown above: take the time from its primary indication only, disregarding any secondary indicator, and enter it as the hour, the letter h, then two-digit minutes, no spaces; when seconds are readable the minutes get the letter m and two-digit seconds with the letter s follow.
8h38
